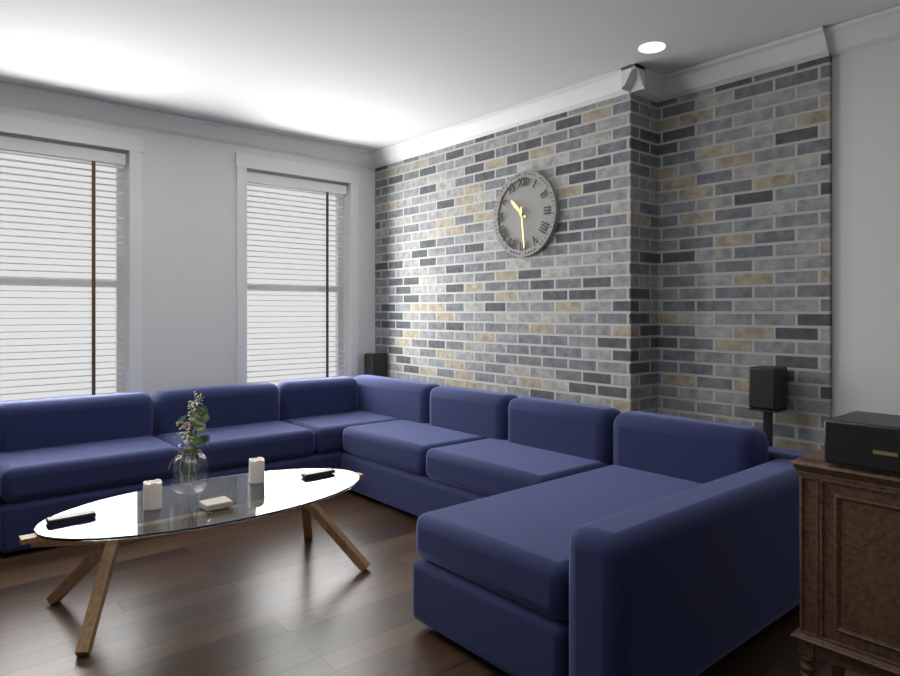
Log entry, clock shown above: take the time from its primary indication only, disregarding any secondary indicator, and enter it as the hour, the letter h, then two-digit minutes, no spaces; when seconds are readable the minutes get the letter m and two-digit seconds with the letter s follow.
10h29
